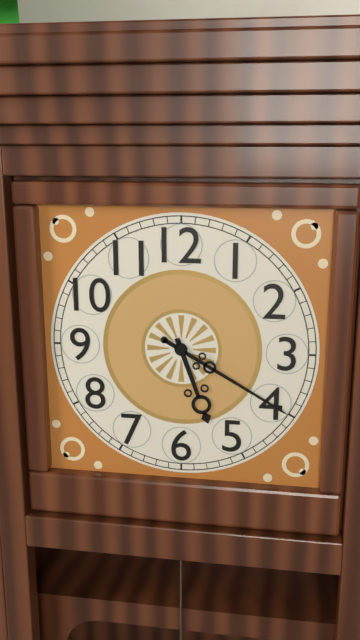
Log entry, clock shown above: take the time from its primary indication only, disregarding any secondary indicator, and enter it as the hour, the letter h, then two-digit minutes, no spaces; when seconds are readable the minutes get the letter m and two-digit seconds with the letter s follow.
5h20
